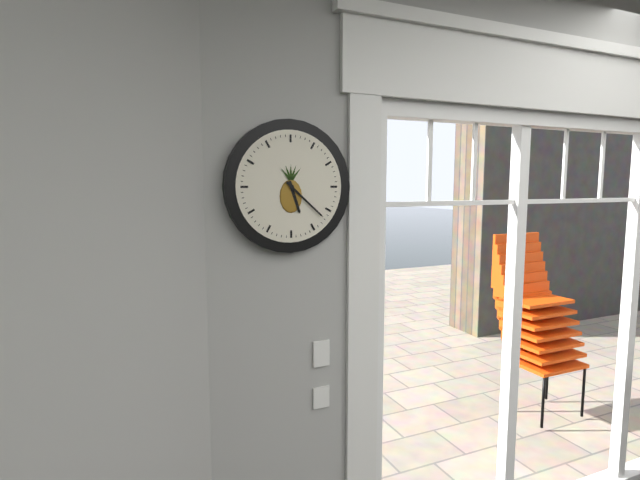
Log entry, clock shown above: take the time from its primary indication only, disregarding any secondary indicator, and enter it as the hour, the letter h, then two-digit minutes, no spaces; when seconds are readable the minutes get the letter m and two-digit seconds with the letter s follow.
5h22
